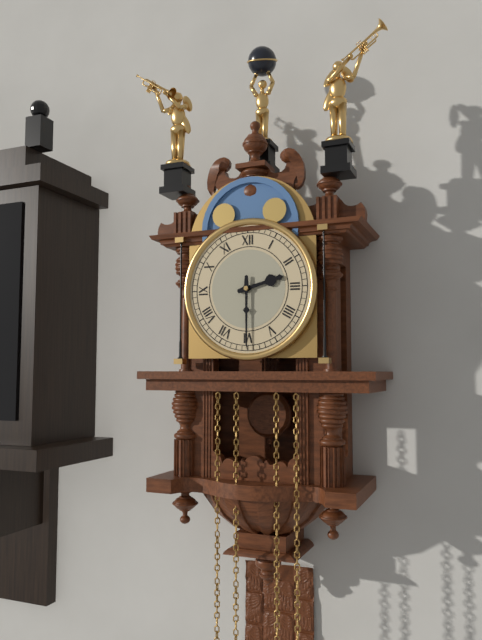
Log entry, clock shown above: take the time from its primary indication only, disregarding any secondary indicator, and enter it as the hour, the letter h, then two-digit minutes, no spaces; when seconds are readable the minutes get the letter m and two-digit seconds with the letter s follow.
2h30
